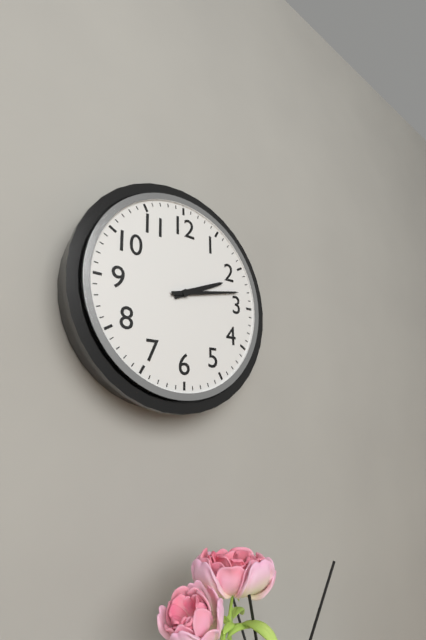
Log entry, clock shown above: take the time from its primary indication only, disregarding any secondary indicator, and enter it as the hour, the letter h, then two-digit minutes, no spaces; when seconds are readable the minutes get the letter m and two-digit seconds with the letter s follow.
2h13
